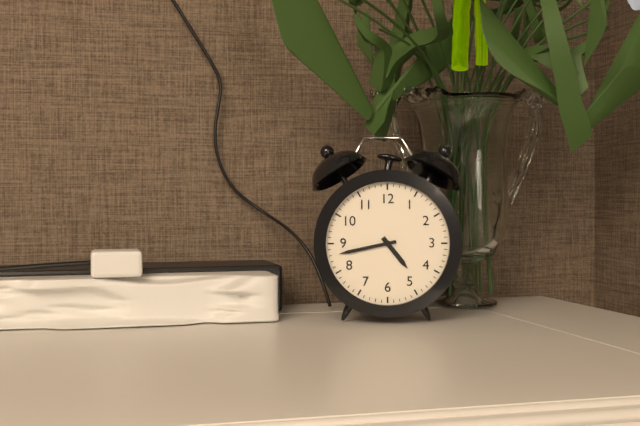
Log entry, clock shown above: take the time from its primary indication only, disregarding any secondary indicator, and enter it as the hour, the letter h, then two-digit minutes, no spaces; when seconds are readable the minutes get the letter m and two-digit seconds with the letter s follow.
4h43
